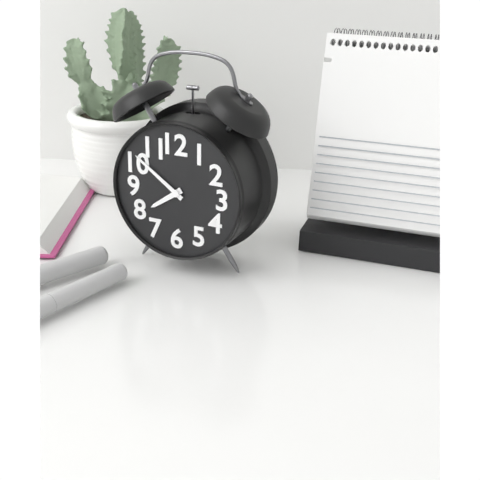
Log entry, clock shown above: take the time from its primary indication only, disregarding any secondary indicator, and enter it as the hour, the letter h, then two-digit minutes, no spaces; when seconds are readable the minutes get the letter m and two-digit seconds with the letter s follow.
7h51
